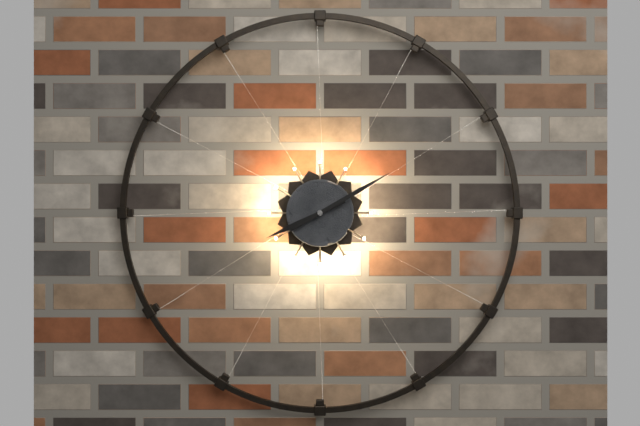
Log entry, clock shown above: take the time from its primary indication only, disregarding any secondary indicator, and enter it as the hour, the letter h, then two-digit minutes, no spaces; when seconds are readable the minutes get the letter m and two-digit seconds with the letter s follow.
8h10
